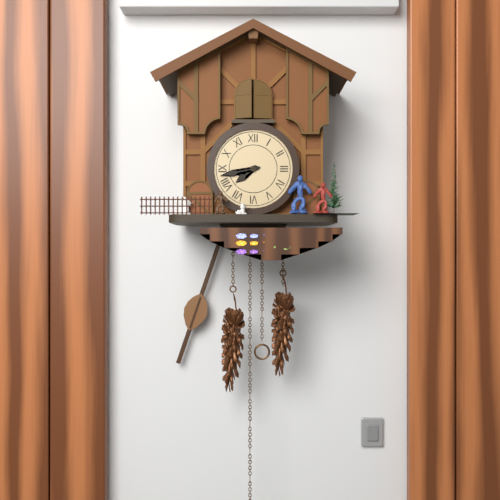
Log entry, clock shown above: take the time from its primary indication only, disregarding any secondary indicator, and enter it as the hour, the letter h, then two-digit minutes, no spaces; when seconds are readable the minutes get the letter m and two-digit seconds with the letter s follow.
7h43
